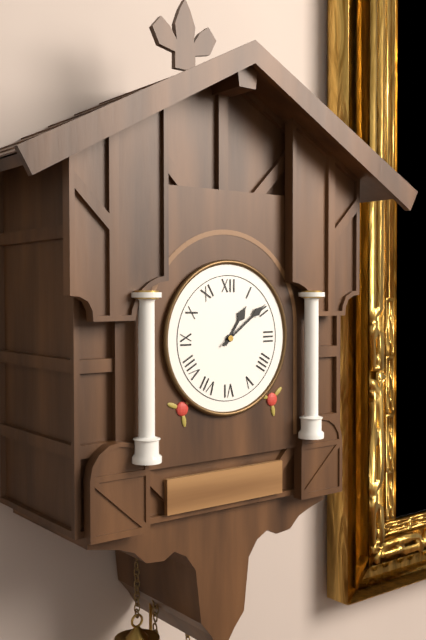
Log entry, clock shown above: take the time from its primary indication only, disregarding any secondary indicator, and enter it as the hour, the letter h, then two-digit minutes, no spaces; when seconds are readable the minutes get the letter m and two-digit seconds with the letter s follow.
1h09
